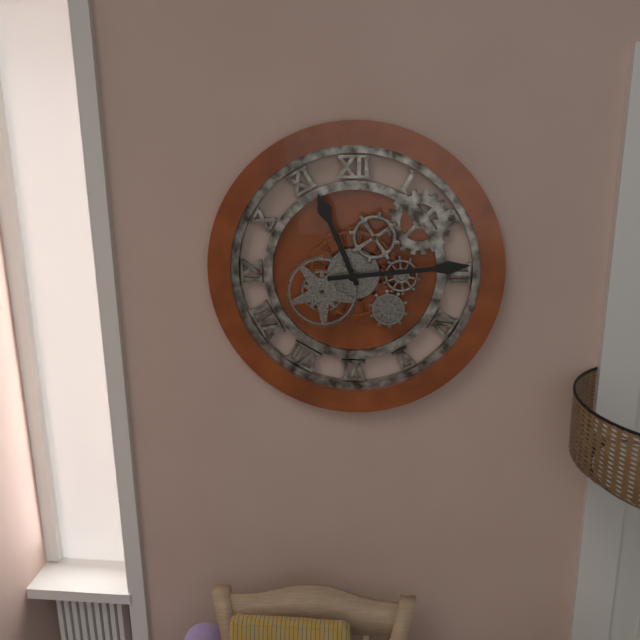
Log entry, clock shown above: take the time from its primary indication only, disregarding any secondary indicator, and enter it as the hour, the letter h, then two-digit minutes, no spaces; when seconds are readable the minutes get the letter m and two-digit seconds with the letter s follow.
11h14
